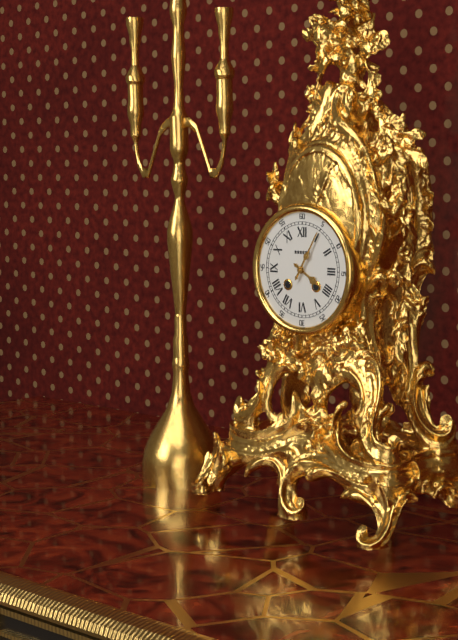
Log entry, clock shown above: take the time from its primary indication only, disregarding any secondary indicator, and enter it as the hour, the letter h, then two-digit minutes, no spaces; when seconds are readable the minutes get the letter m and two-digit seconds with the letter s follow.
4h05
